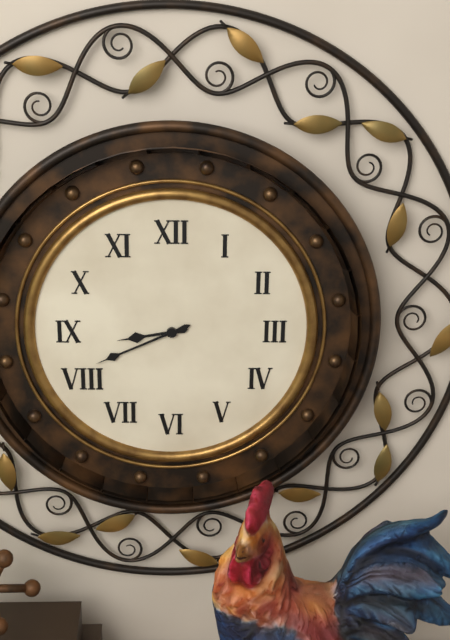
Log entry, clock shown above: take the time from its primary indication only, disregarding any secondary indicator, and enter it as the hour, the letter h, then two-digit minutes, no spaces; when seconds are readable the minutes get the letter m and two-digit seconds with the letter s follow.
8h41
